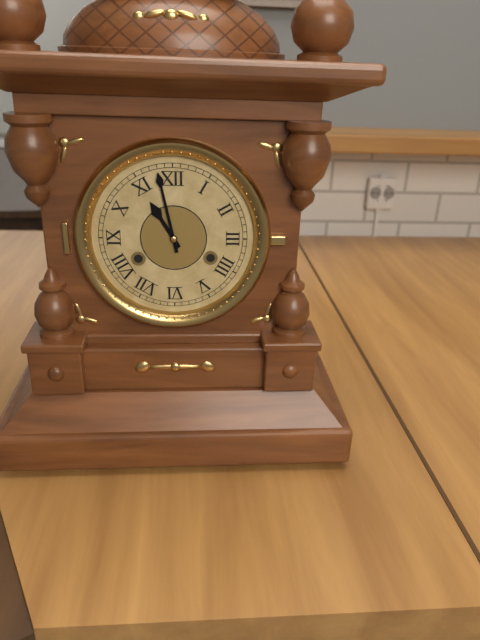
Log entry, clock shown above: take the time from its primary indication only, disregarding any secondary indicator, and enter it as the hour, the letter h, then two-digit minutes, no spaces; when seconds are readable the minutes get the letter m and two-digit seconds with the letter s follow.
10h58
